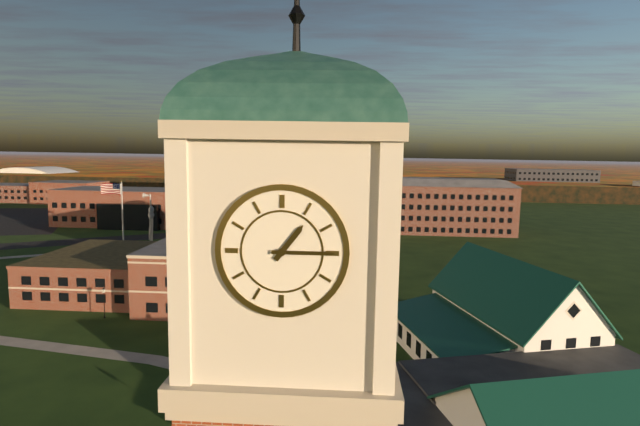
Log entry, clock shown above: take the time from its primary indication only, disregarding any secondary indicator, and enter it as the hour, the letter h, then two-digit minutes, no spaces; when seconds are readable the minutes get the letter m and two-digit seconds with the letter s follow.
1h15
